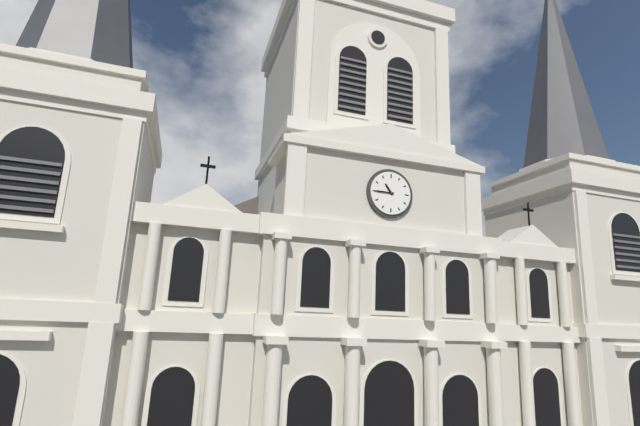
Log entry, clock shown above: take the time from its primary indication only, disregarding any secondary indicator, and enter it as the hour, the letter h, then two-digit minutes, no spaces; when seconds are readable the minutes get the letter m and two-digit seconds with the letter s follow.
10h45
